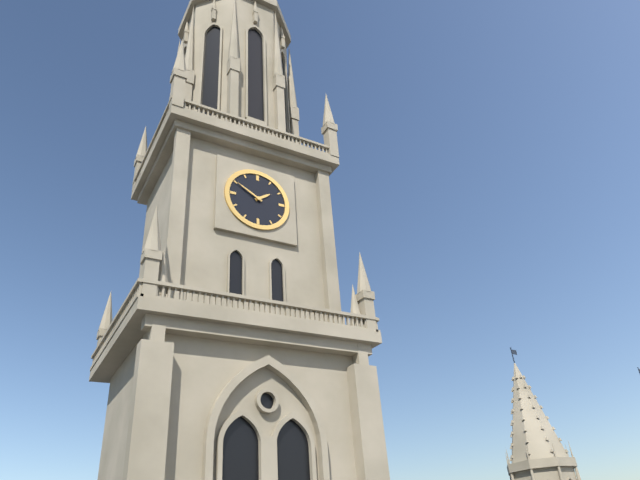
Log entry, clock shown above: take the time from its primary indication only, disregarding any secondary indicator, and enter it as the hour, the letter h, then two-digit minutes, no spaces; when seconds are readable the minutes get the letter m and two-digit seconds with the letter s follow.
1h50
